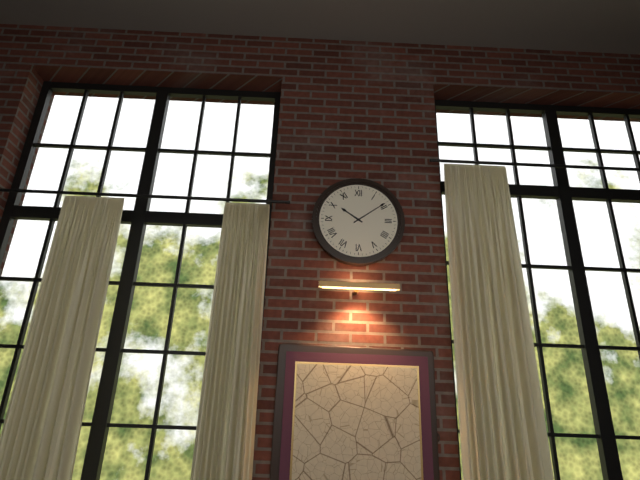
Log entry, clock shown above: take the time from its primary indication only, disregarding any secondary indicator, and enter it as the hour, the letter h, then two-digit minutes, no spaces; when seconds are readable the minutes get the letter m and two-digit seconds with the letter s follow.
10h09
